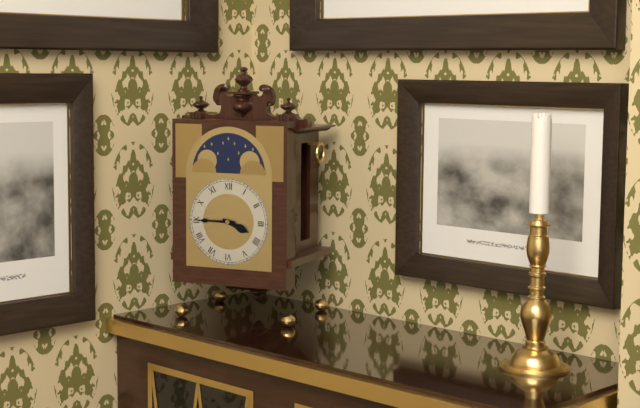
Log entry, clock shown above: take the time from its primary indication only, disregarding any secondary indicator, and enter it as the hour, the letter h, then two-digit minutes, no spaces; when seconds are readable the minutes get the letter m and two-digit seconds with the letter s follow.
3h45
